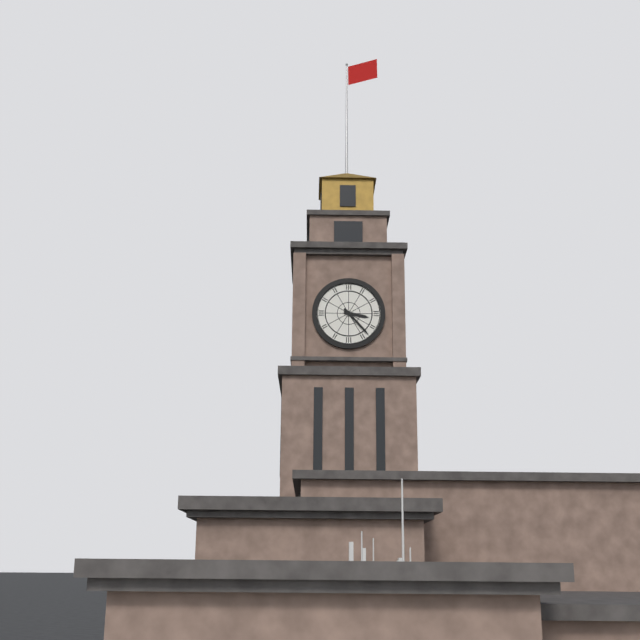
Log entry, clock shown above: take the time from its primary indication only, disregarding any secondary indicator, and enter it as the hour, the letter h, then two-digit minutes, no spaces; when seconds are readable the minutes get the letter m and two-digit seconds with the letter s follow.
3h23
